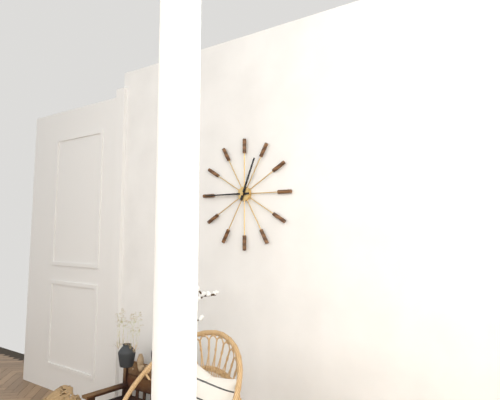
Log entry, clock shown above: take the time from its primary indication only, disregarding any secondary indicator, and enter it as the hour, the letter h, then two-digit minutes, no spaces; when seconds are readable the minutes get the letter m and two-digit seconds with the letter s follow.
12h45
